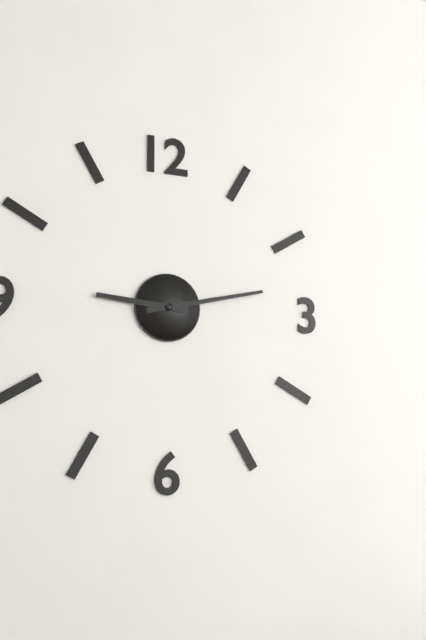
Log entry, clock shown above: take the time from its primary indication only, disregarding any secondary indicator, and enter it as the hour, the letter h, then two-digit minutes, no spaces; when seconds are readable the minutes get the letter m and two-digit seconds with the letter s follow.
9h13
